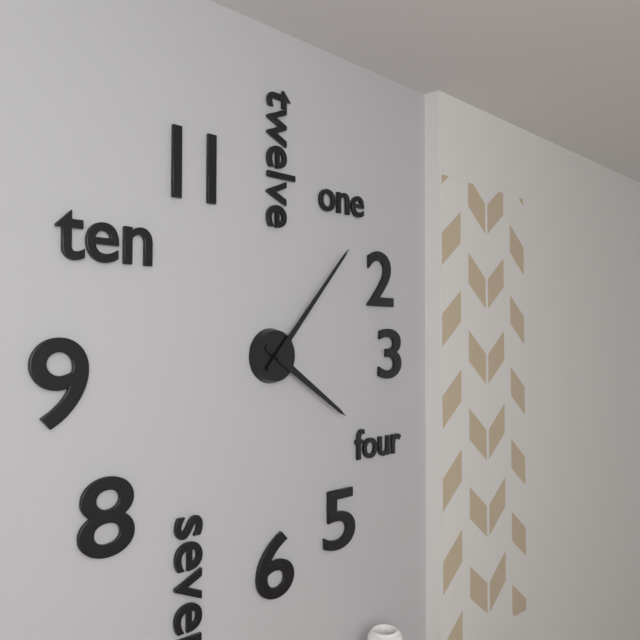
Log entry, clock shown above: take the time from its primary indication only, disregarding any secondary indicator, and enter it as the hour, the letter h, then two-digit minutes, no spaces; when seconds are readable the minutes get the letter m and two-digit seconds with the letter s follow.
4h07
